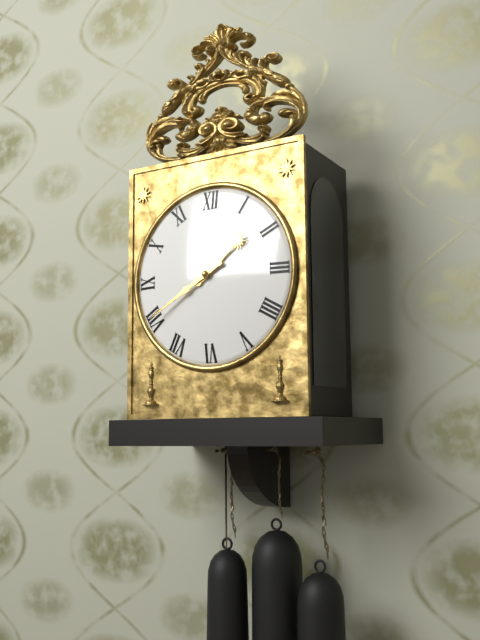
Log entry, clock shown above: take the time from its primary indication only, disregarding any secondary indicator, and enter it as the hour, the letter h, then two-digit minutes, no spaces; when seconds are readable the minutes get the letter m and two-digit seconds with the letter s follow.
1h40
